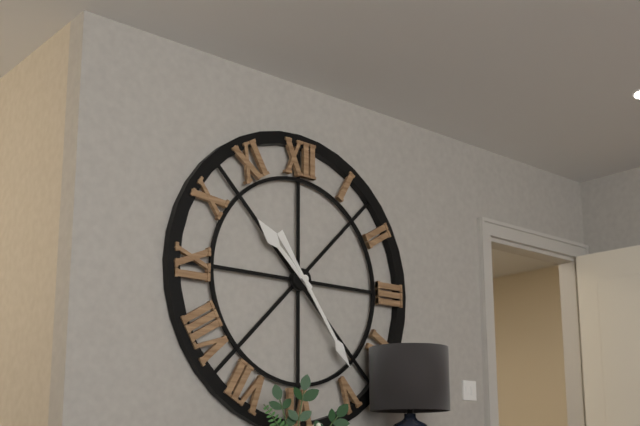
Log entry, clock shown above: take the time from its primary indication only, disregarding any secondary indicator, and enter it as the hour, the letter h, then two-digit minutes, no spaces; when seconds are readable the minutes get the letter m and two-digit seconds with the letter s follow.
10h24
